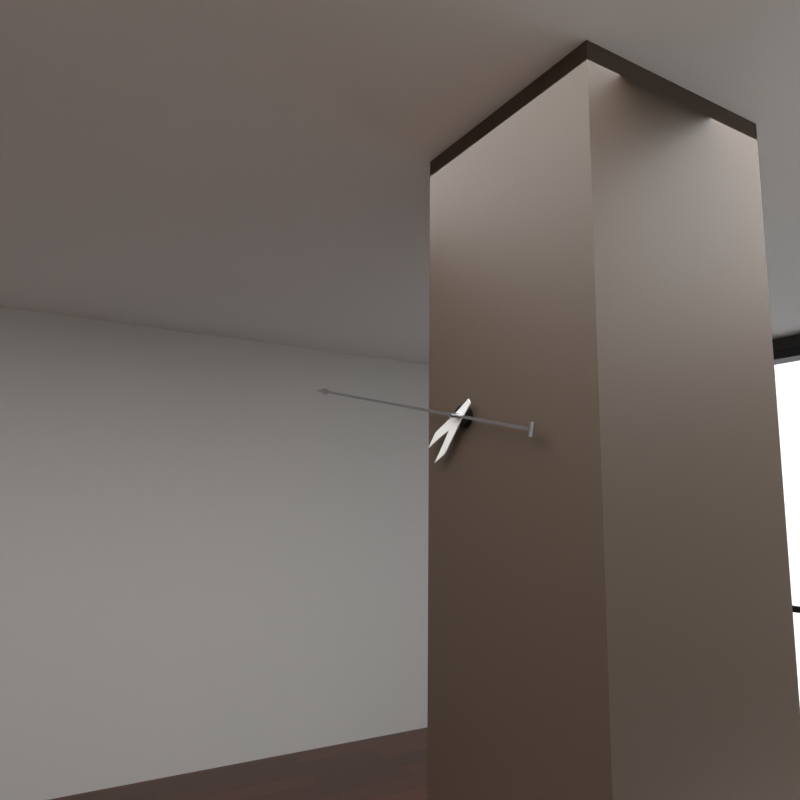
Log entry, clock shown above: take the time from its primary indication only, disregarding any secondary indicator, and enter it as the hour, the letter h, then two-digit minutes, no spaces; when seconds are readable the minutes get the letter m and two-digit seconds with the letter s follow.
7h47
